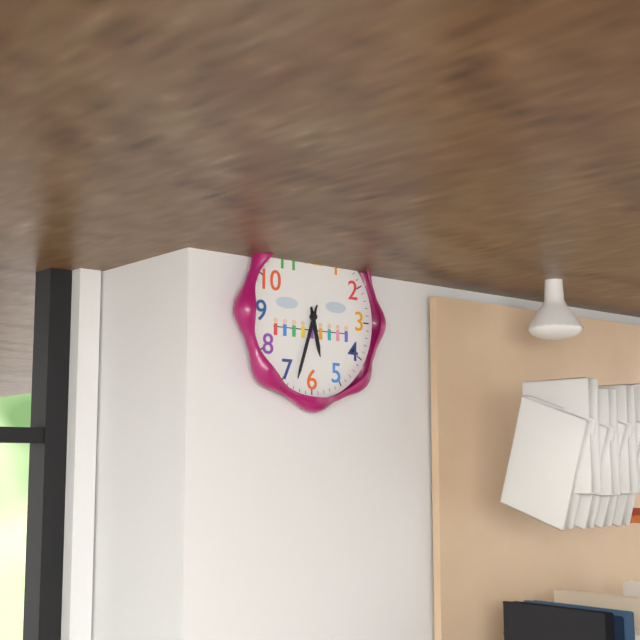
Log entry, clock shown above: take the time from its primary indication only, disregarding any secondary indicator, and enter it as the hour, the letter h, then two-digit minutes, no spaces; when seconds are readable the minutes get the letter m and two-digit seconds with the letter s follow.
5h33
